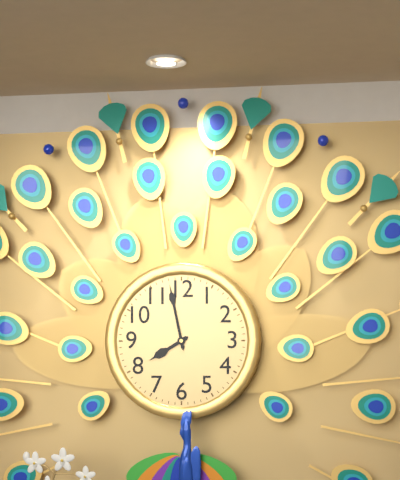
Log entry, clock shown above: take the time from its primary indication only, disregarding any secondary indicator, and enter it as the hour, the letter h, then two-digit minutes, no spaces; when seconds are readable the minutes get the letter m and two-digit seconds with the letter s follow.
7h58
